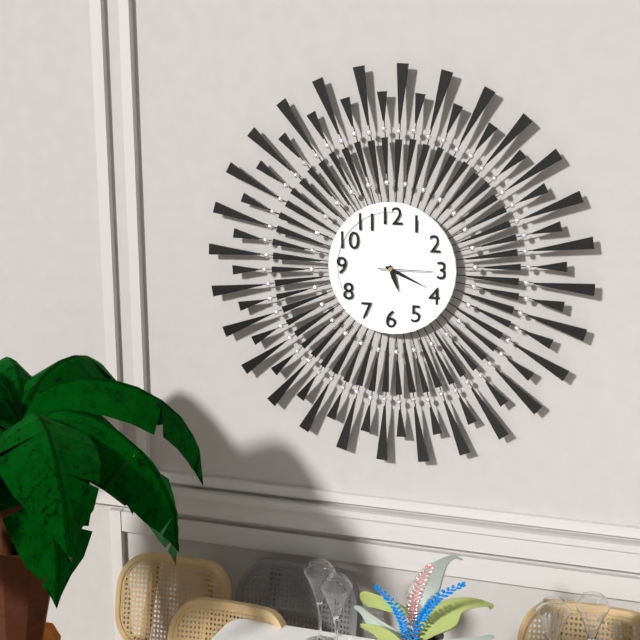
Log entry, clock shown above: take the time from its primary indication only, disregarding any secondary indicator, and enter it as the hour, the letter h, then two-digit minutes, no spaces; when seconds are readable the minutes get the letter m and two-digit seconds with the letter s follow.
5h19
